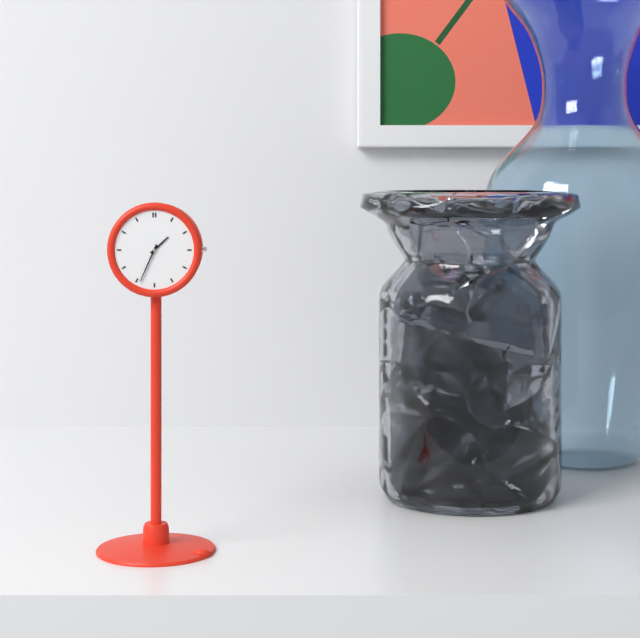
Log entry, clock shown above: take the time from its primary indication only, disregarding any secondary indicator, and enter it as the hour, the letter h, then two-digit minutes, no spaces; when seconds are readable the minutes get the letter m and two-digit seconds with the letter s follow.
1h34
